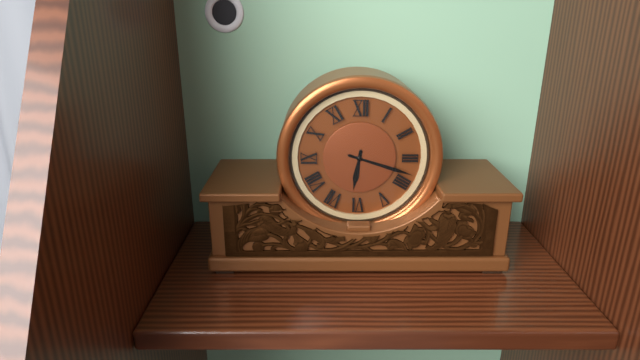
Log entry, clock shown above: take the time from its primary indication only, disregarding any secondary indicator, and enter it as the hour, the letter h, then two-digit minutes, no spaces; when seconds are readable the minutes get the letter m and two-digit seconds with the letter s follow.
6h18
